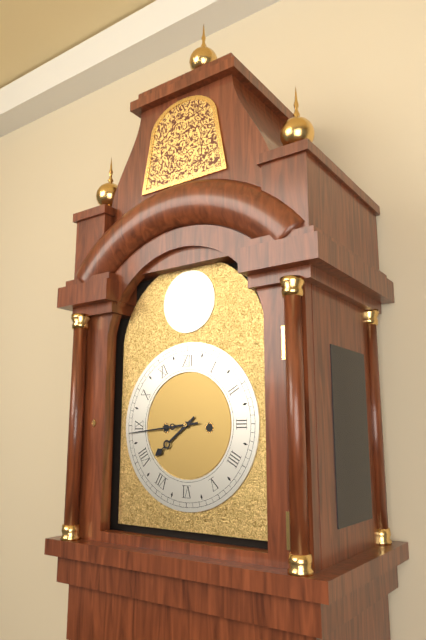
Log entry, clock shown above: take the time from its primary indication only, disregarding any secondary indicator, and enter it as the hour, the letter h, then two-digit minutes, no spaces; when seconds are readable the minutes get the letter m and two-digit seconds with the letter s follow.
7h44
